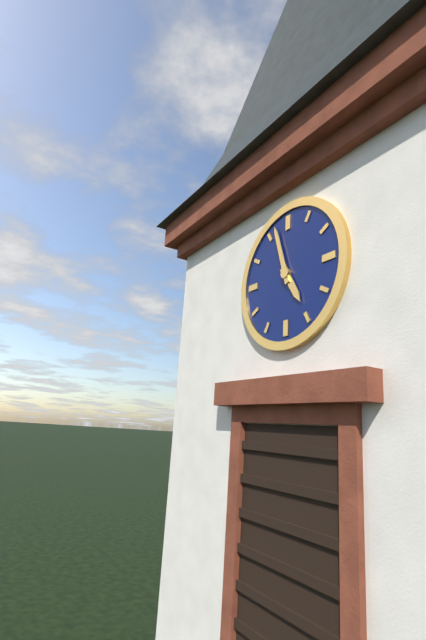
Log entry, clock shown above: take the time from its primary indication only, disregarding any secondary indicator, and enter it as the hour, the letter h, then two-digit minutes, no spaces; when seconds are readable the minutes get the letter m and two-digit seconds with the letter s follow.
4h57
